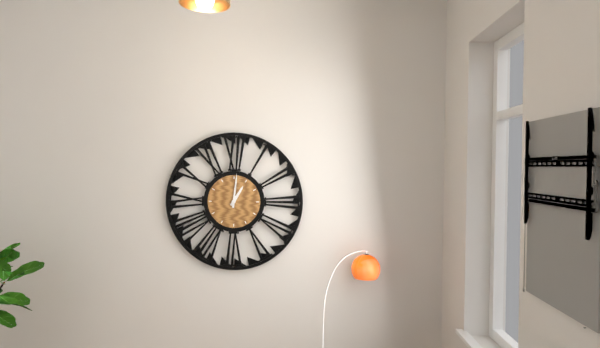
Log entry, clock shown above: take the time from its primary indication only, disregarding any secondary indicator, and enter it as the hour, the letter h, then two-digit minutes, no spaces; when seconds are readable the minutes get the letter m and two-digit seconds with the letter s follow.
1h01
